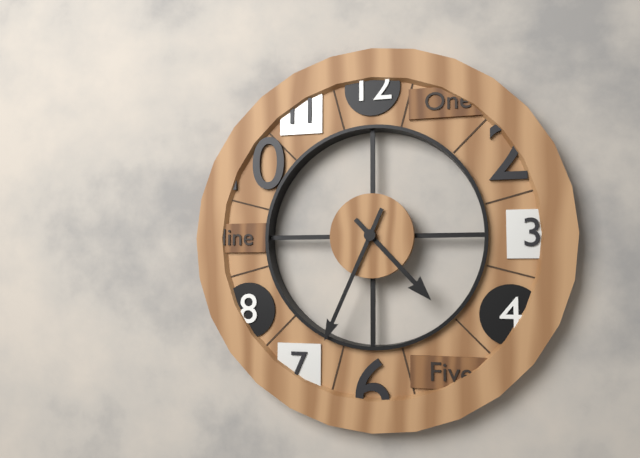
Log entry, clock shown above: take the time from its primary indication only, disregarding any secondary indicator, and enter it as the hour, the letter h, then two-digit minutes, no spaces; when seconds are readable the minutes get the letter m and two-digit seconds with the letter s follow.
4h34
